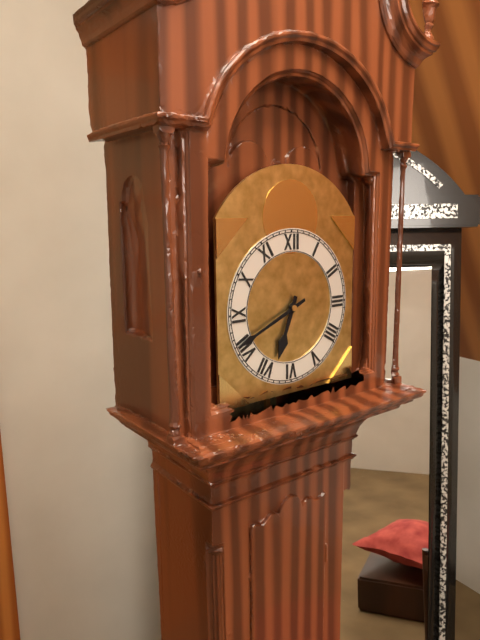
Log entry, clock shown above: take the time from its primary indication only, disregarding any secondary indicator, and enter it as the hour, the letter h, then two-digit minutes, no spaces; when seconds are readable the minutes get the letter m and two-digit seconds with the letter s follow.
6h41
